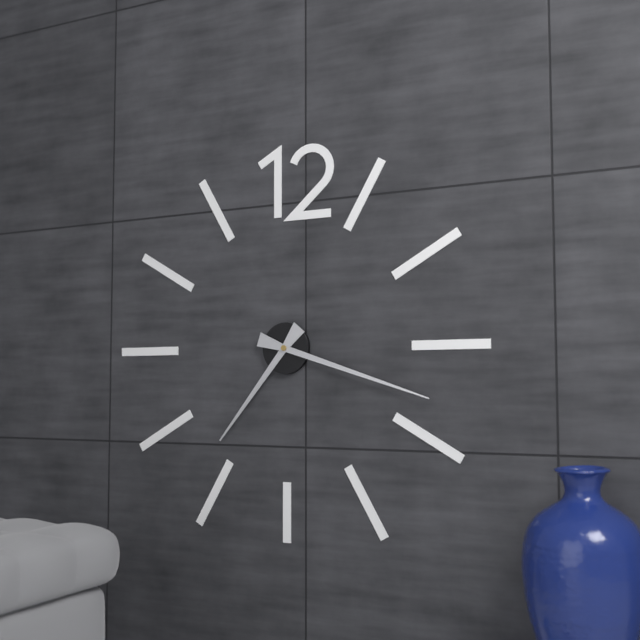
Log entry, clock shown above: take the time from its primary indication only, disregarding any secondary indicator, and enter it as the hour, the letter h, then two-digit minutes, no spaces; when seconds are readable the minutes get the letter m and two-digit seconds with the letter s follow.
7h18
